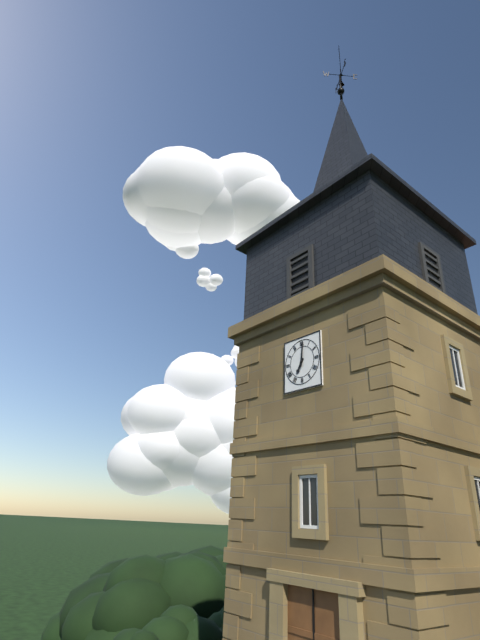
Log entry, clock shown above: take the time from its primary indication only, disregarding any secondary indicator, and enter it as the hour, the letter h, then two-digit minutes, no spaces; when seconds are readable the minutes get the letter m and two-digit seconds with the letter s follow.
7h01
